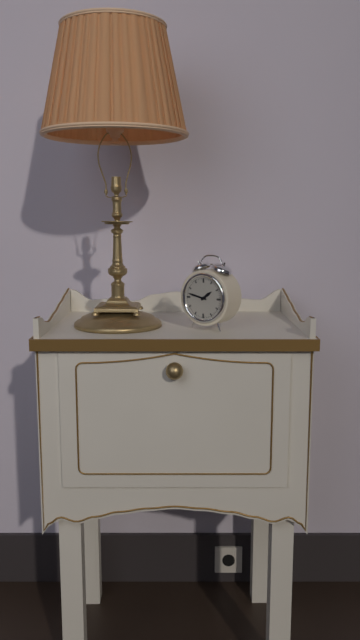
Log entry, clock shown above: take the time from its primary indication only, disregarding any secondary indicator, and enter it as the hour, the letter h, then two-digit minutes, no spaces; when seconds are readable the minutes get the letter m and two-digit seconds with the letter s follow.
1h47
